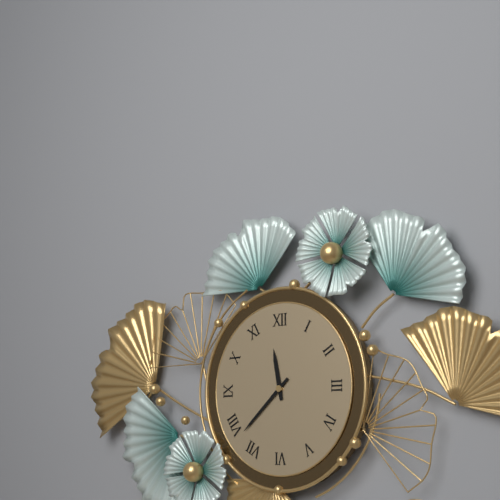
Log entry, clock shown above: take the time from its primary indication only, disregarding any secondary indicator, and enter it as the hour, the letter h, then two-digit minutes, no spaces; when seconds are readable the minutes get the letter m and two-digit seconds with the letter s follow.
11h38
